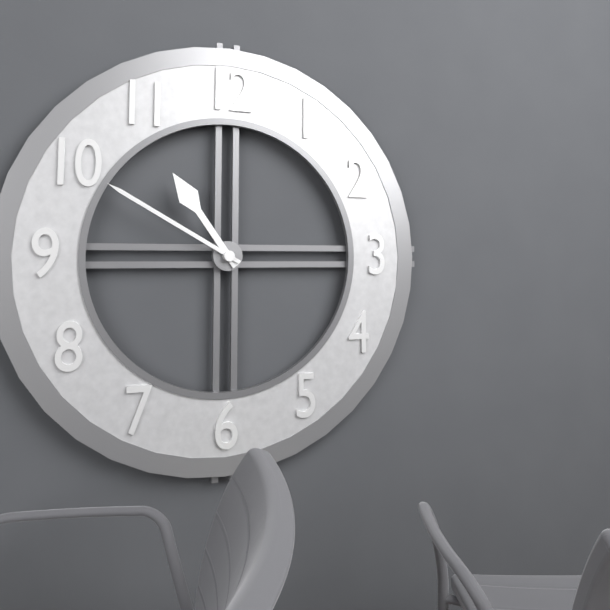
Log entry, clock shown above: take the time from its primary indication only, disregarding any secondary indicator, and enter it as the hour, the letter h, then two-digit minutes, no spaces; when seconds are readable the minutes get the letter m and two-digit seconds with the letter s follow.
10h50
